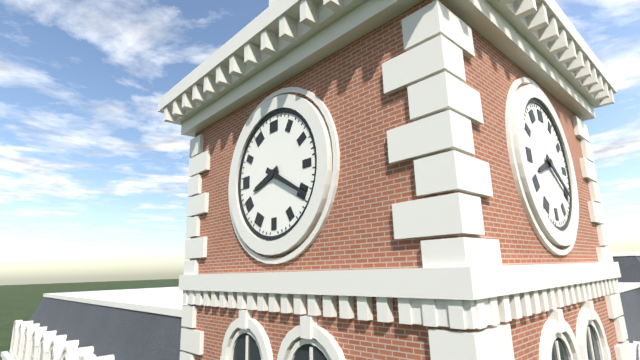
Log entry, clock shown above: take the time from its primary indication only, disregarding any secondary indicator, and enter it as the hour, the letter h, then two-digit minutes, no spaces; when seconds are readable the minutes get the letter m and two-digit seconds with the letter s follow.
8h20
